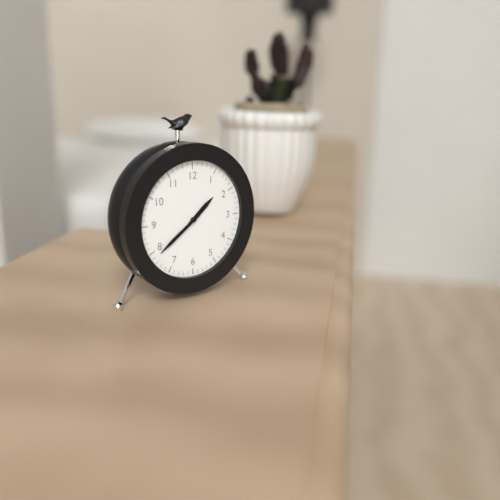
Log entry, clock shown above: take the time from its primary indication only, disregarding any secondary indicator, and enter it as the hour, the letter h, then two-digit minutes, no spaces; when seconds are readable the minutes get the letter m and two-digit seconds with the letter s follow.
1h39
